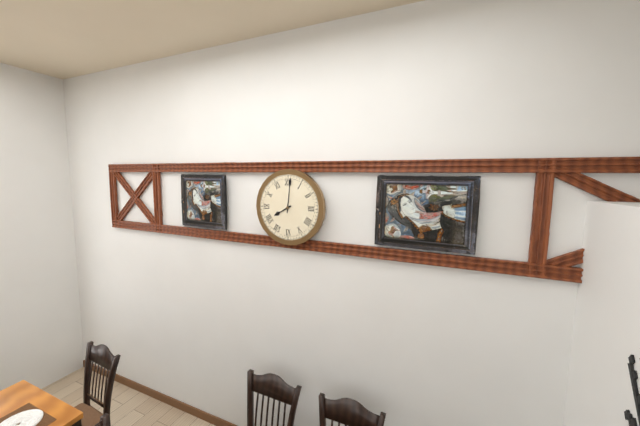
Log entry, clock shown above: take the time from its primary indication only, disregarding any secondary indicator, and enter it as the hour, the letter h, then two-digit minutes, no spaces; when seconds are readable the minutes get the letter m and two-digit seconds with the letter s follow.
8h01
